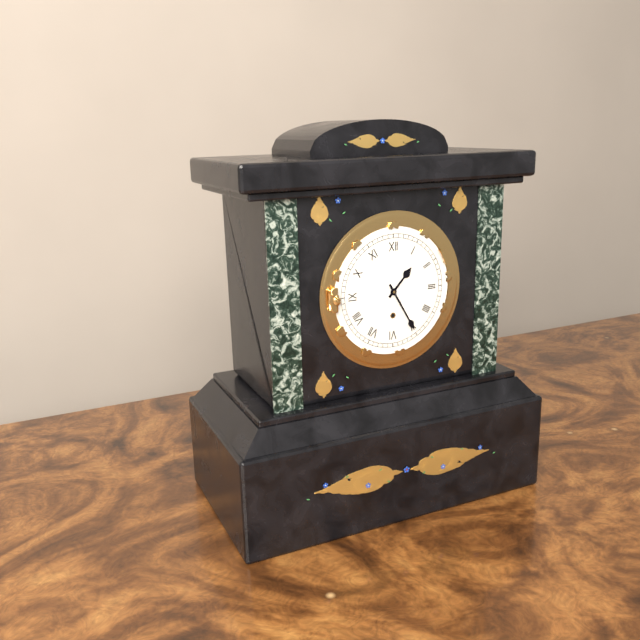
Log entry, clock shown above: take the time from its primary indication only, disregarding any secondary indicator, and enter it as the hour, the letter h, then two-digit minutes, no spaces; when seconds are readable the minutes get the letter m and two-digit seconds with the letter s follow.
1h25
